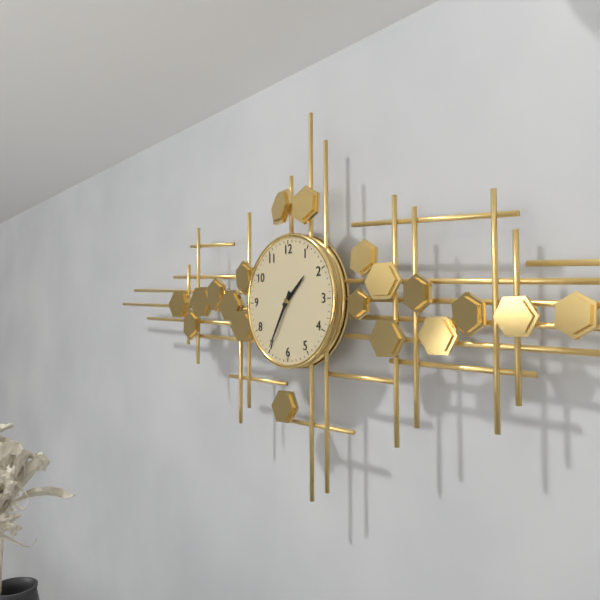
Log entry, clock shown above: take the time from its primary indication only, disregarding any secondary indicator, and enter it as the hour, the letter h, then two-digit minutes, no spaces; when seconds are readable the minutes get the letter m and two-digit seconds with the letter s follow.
1h35
